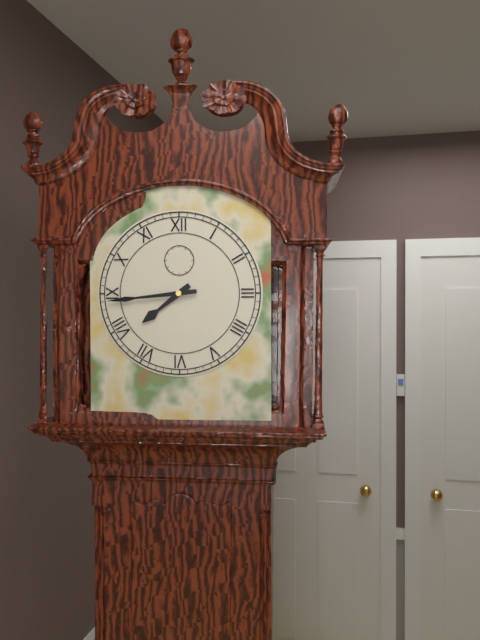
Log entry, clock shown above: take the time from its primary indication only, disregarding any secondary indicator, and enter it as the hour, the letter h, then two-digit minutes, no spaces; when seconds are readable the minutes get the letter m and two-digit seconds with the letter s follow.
7h44
